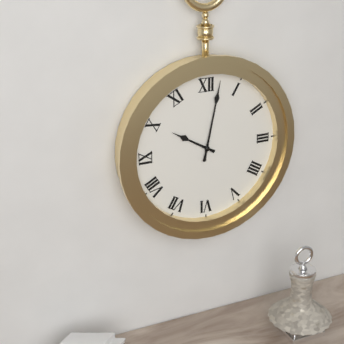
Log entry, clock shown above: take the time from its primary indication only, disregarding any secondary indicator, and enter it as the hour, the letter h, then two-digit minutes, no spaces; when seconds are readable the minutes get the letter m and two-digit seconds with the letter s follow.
10h02
